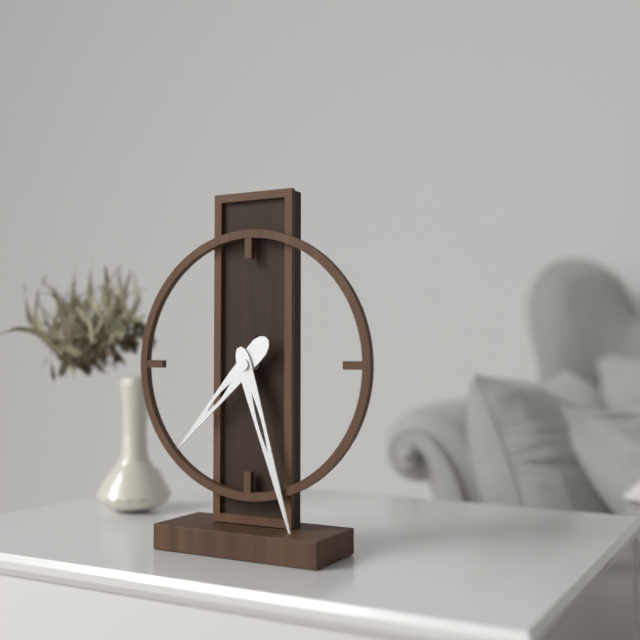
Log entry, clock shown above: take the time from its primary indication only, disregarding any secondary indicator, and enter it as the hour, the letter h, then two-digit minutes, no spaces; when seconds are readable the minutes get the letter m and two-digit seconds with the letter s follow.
7h27
